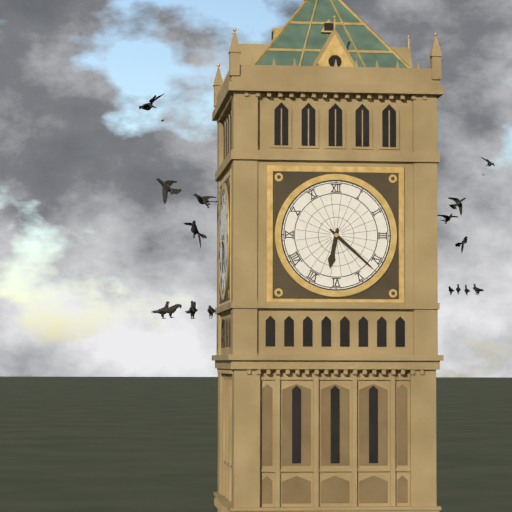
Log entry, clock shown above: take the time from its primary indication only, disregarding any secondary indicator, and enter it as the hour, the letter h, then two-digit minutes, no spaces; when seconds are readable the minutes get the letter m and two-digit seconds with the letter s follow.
6h22
